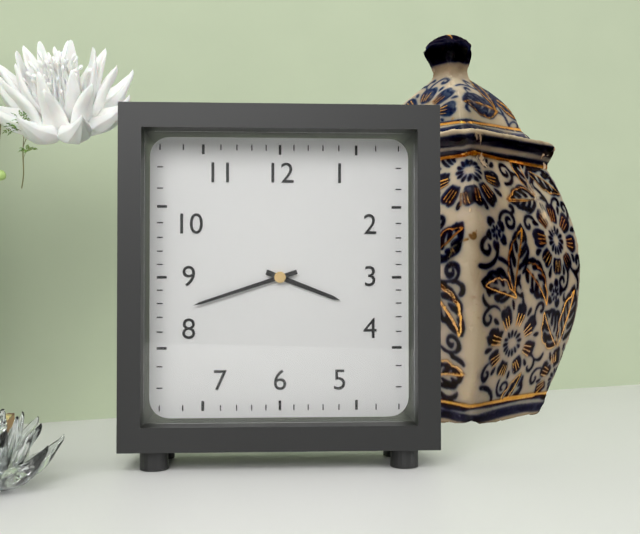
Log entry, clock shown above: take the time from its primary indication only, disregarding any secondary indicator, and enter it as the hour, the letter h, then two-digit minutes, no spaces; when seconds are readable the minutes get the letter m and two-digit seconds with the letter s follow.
3h42
